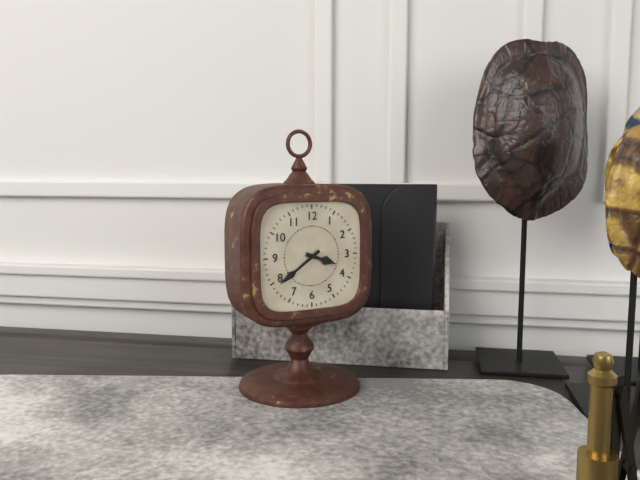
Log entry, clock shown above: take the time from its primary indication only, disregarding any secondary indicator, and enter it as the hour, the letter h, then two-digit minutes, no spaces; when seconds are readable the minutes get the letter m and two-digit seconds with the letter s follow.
3h39
